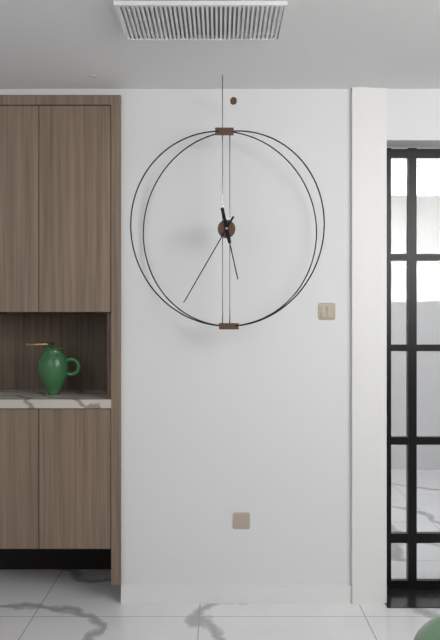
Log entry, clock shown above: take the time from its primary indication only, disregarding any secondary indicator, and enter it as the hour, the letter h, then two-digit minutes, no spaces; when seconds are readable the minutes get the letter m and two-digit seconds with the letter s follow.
5h35
